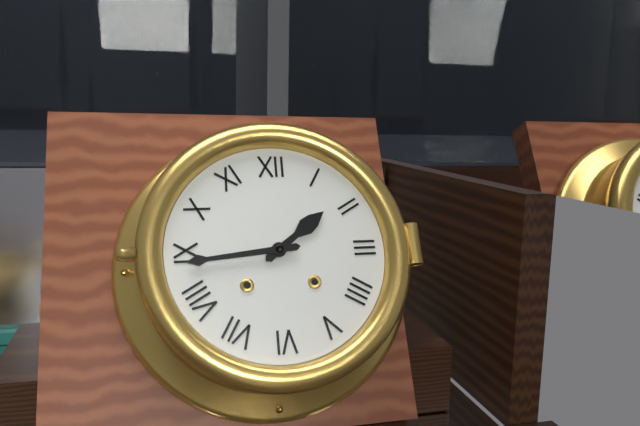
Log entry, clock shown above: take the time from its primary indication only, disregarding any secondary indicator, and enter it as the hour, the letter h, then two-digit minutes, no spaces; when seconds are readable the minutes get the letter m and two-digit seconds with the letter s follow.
1h44
